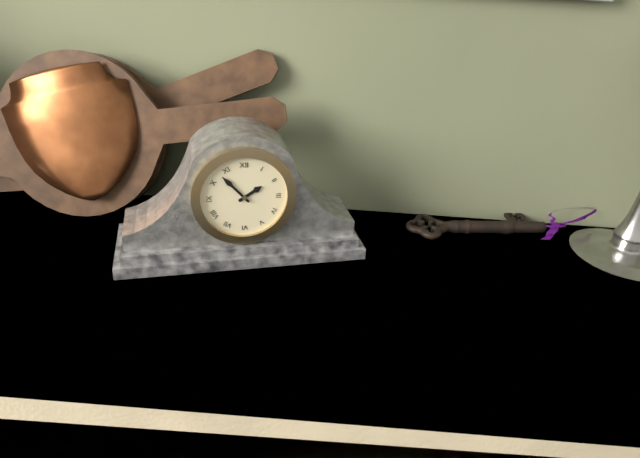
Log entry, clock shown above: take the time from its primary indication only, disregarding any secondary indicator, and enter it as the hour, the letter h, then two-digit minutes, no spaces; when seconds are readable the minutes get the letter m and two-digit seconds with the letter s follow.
1h53
